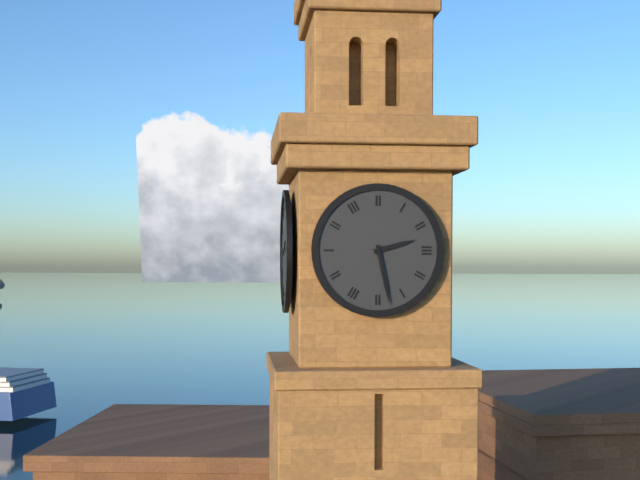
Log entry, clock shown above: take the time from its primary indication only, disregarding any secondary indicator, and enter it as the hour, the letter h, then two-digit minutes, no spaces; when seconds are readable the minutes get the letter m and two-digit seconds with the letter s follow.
2h28
